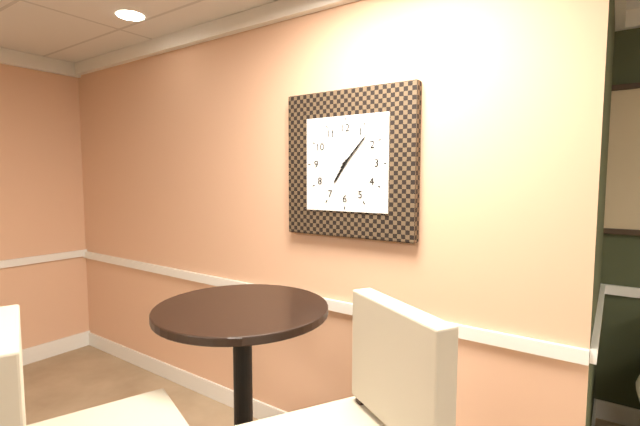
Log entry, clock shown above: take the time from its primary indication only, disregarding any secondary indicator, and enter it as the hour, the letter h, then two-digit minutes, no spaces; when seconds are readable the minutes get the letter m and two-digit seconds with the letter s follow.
7h07
